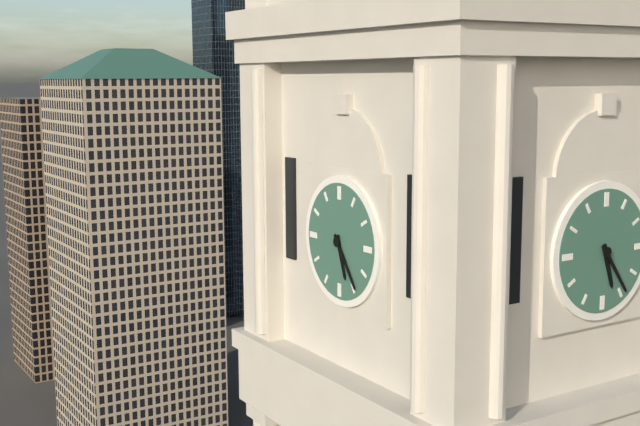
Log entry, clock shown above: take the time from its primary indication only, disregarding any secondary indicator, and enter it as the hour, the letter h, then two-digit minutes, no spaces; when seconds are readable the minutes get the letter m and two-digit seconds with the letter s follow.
5h24
